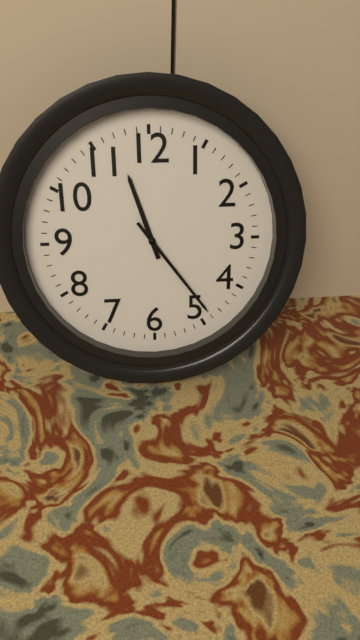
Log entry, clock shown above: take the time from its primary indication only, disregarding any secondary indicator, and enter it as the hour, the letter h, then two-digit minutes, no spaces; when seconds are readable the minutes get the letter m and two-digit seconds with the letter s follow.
11h24
